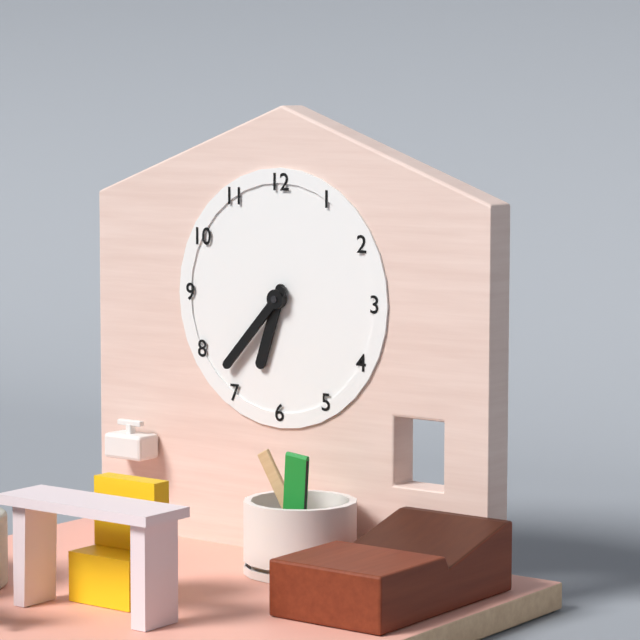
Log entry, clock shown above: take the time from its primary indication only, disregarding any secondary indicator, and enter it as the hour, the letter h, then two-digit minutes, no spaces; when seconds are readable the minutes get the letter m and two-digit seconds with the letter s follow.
6h37
